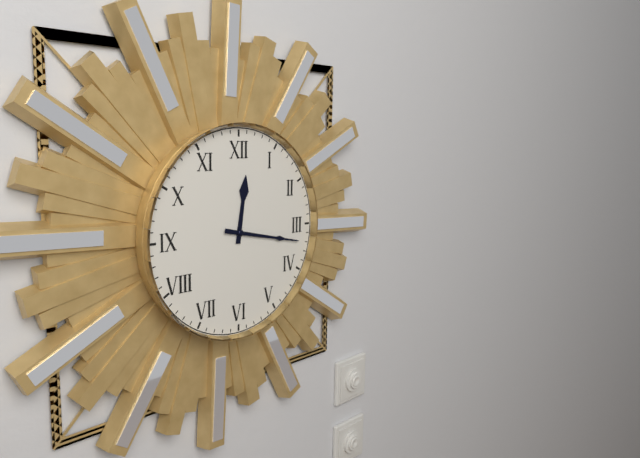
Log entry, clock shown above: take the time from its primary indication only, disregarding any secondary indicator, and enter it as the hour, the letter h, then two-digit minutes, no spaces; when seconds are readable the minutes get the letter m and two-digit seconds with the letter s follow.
12h17
